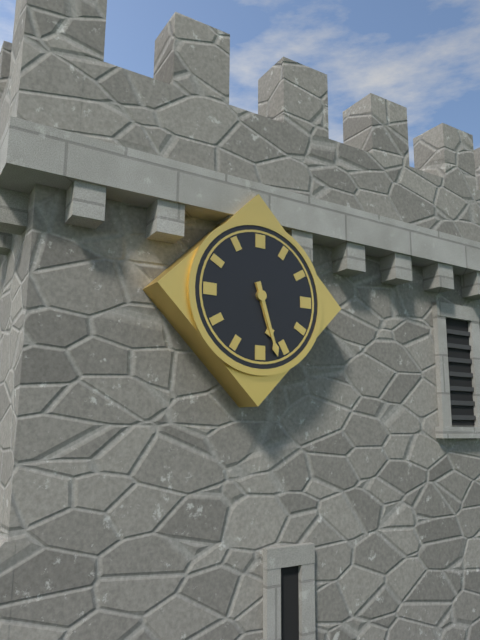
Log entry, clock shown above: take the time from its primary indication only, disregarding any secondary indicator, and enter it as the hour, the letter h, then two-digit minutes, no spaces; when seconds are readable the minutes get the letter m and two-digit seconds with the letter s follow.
5h27
